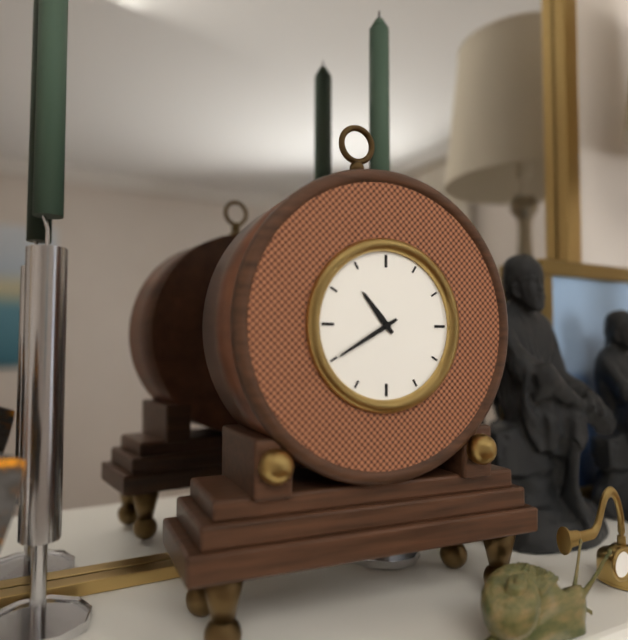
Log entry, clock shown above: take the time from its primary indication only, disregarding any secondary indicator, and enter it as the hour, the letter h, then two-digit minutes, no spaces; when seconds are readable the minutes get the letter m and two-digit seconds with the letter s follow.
10h40
